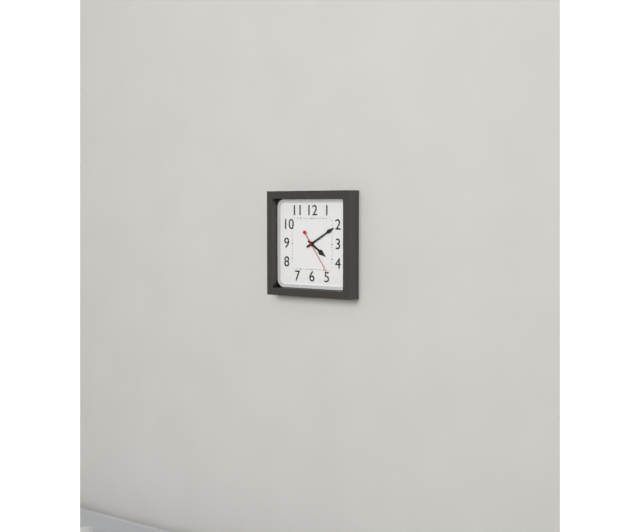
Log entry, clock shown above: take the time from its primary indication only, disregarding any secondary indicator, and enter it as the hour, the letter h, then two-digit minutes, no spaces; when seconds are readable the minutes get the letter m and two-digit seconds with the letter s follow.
4h10
